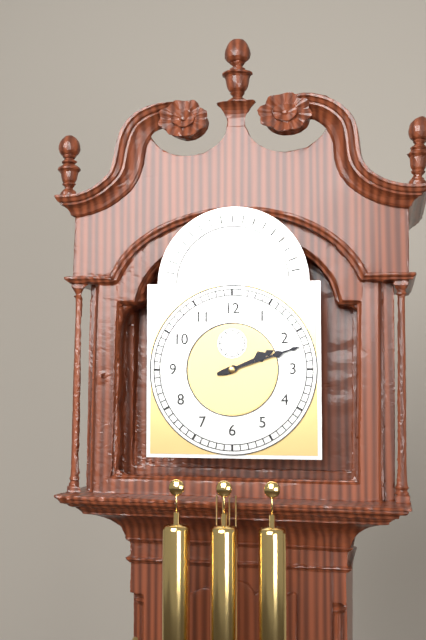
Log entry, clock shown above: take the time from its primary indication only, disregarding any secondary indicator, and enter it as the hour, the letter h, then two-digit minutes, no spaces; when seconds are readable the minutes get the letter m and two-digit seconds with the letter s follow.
2h12
